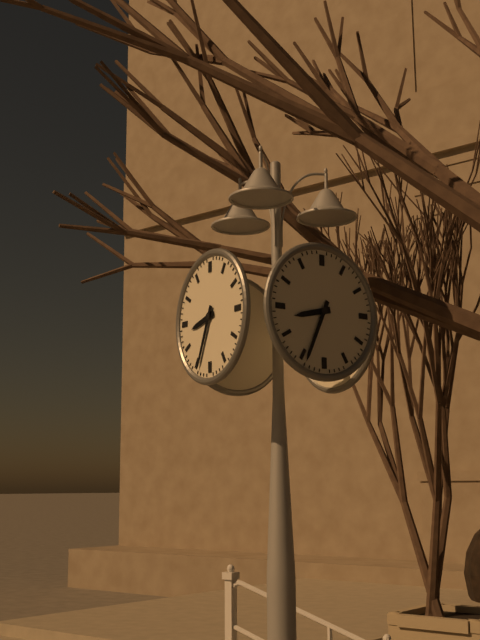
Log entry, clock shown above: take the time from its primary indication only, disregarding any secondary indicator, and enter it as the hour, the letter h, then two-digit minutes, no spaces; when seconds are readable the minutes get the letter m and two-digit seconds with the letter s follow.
8h34
